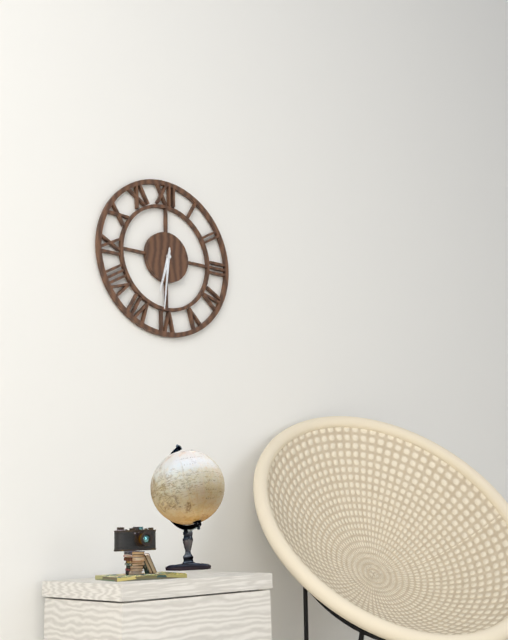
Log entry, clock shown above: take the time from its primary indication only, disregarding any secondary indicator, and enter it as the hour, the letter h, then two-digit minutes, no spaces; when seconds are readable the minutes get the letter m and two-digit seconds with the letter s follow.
6h31
